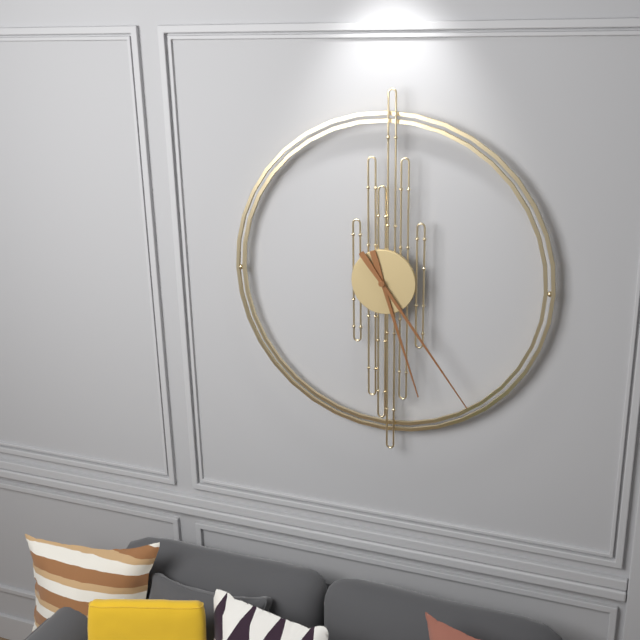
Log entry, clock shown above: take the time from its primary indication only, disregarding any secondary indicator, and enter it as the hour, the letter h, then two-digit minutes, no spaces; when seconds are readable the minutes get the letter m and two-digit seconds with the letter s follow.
5h24
